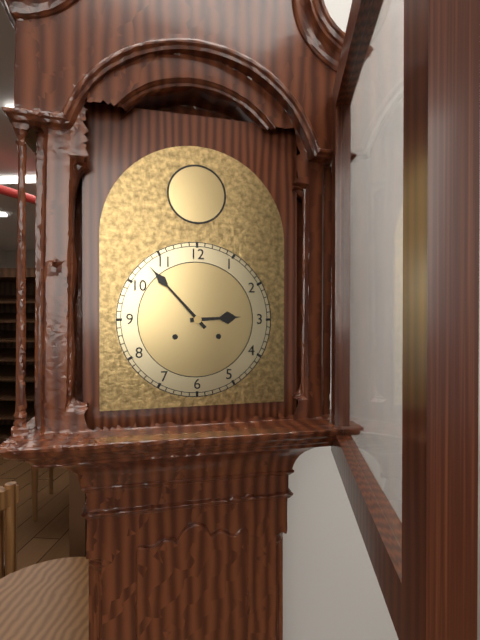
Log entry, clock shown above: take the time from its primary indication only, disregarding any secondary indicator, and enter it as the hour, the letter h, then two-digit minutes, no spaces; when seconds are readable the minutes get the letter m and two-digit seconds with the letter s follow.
2h53
